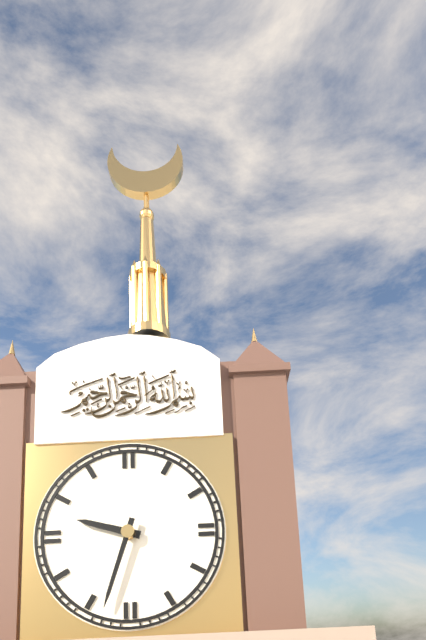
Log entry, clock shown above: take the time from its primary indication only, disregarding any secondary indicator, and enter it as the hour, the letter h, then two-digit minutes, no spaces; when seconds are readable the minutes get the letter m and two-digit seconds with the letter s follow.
9h33
